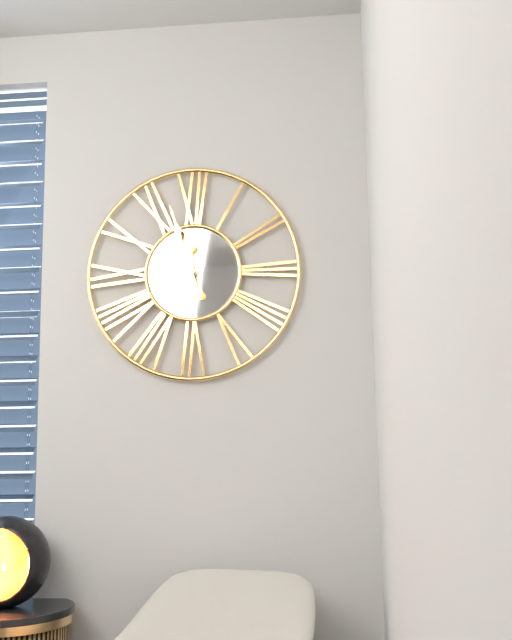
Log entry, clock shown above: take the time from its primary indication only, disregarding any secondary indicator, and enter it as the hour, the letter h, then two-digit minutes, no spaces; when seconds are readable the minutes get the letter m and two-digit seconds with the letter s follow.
11h57
